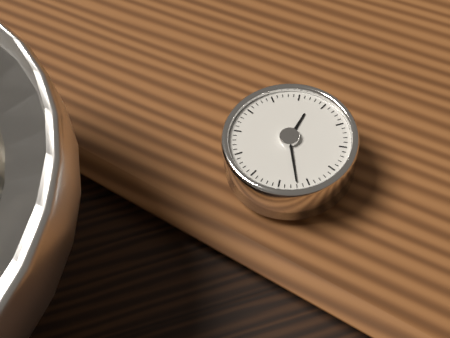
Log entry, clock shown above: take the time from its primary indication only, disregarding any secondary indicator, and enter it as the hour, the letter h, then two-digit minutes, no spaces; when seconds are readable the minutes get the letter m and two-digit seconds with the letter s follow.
1h32
